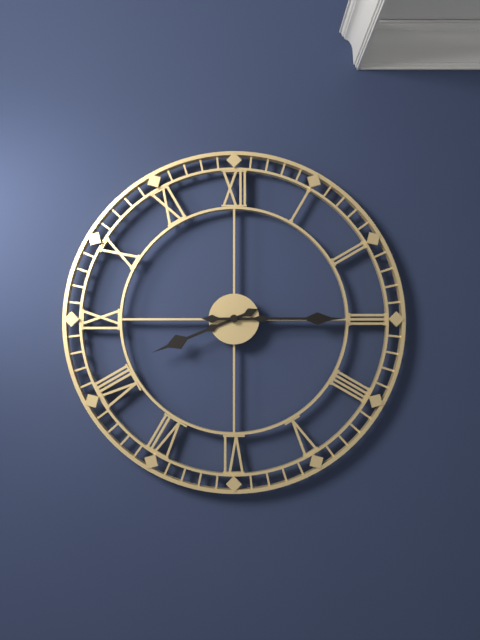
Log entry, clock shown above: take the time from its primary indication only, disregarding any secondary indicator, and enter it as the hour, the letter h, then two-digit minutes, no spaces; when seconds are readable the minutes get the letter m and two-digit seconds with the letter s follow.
8h15
